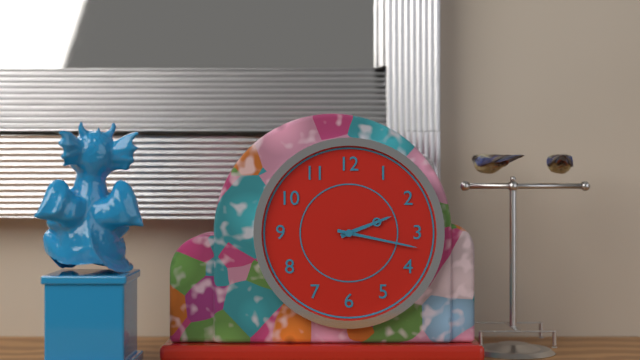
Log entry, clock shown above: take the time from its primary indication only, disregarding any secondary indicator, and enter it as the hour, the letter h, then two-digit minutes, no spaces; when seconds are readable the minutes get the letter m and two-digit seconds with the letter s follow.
2h17
